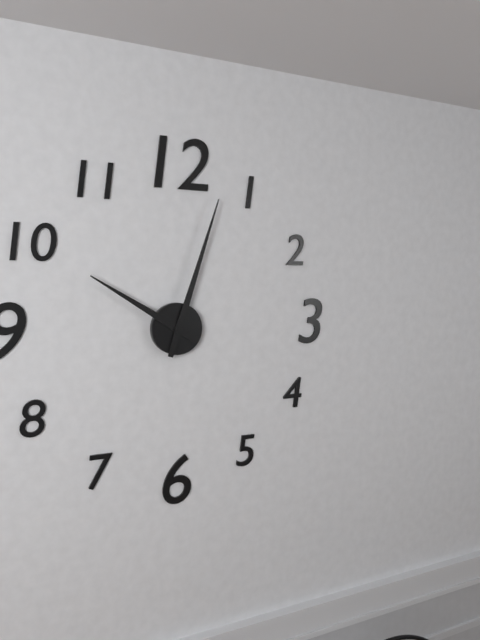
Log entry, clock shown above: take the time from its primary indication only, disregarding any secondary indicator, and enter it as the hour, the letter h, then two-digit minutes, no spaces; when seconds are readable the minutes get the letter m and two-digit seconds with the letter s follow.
10h03
